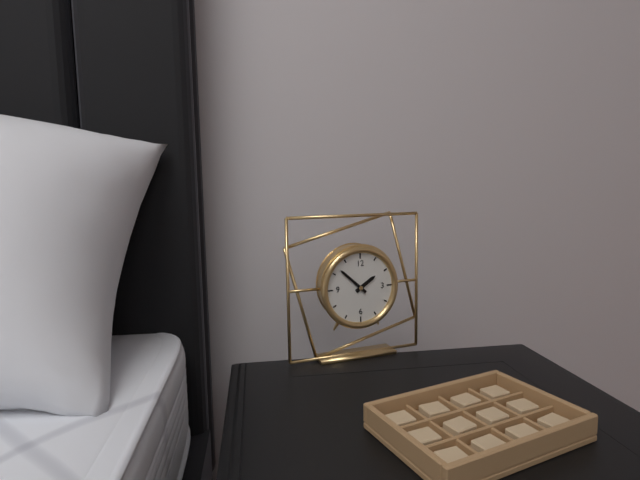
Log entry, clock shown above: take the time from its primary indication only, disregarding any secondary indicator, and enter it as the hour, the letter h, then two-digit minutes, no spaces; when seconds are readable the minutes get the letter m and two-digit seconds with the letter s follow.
1h52
